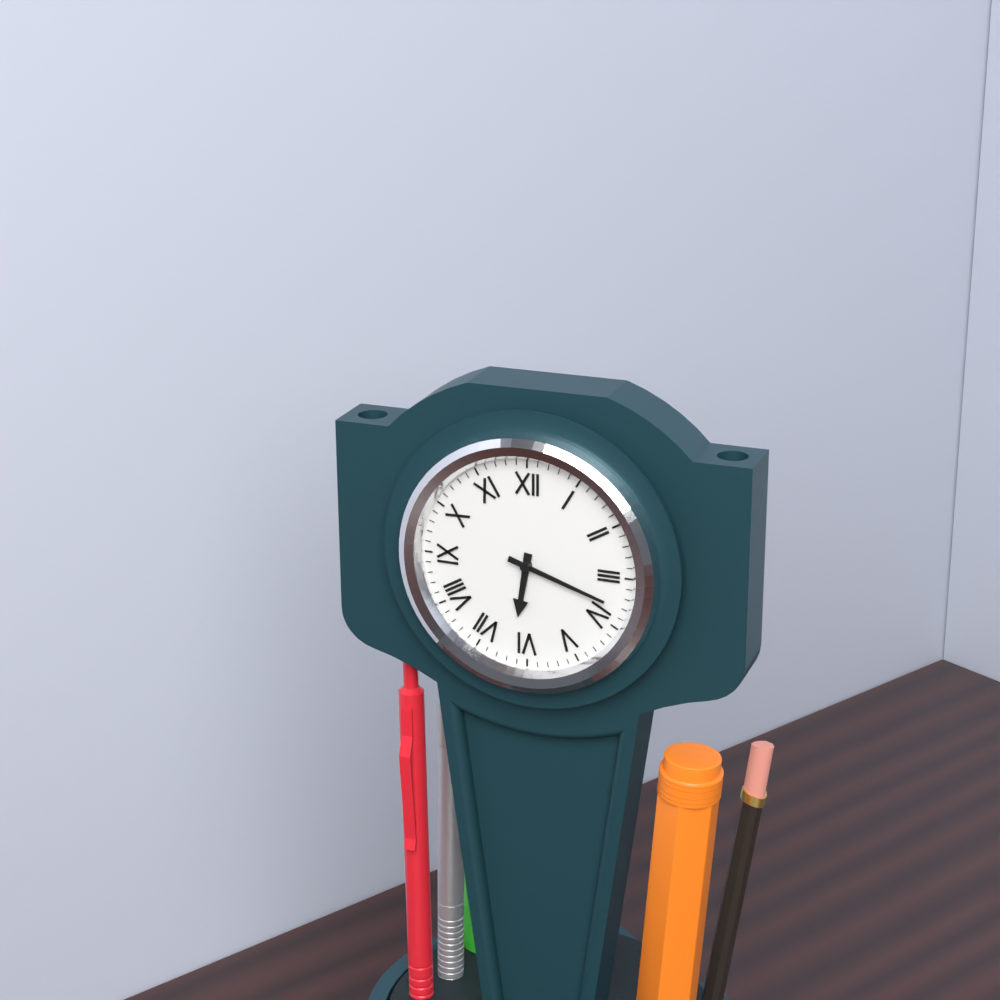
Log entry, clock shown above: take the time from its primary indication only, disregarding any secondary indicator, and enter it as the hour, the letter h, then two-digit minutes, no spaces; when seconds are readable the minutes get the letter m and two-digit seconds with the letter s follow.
6h18
